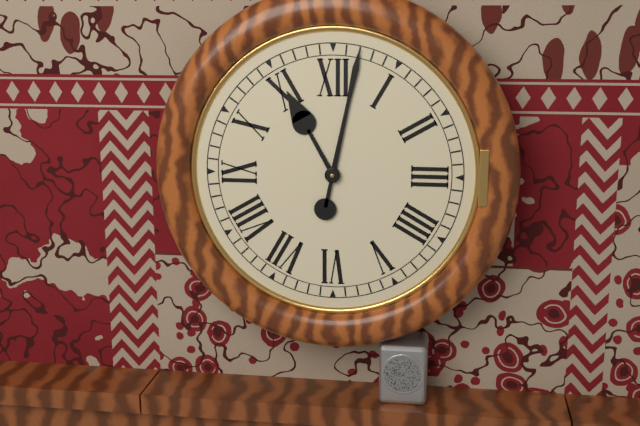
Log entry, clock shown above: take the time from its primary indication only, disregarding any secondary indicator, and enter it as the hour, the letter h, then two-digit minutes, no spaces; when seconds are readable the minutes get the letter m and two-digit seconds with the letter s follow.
11h02
